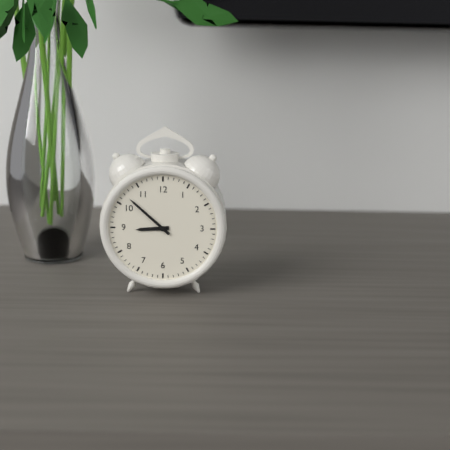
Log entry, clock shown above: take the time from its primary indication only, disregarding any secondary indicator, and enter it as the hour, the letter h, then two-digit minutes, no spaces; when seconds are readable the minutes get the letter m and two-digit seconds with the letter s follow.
8h52
